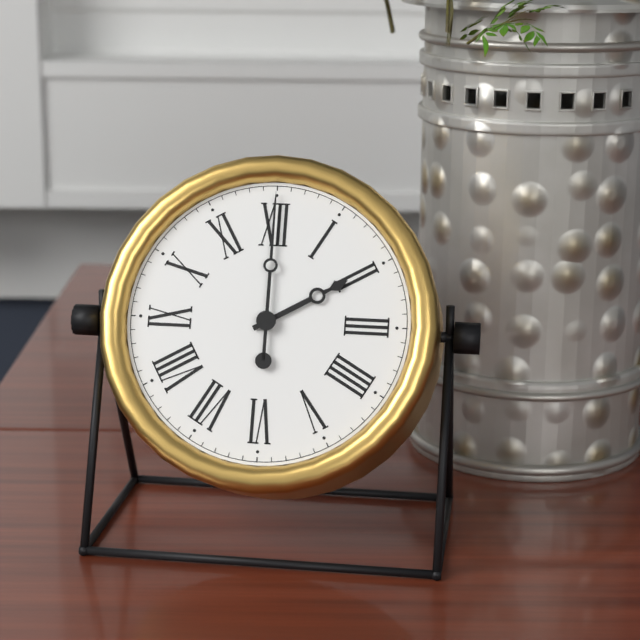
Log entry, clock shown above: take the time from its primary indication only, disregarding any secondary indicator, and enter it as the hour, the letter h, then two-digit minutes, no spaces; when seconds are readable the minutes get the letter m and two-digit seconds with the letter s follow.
2h00
